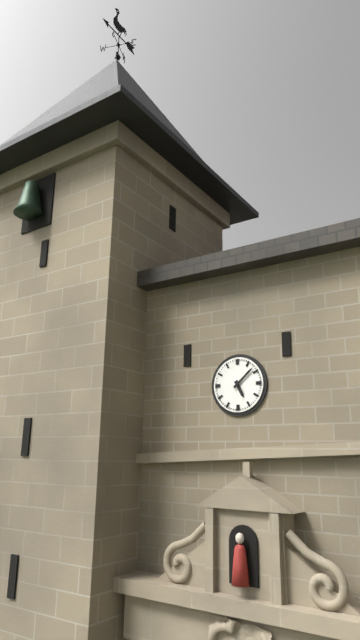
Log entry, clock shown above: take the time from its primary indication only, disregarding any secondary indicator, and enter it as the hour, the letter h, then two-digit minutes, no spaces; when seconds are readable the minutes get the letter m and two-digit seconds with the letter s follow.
5h08
